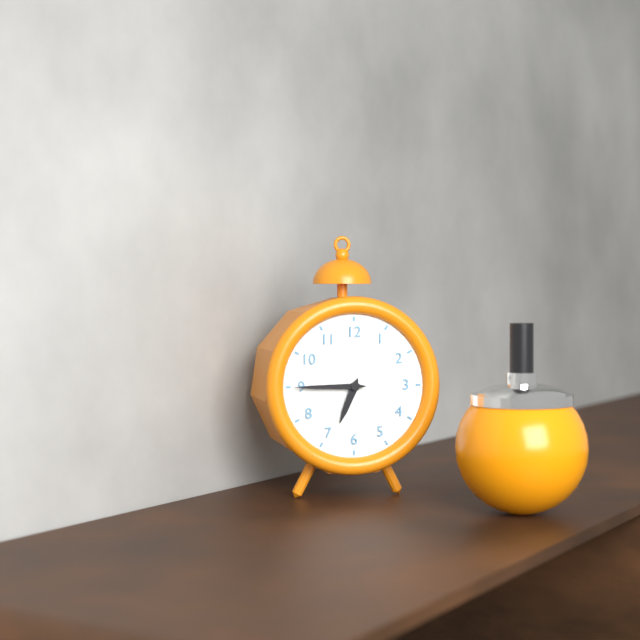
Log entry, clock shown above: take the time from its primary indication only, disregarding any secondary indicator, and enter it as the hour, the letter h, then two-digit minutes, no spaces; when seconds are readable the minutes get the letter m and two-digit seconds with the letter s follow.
6h45
